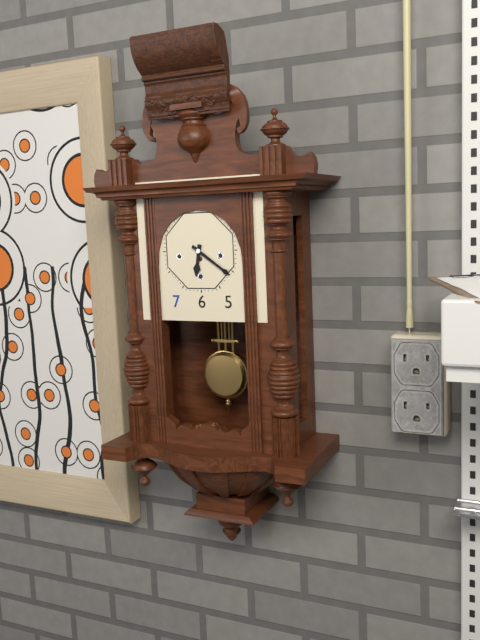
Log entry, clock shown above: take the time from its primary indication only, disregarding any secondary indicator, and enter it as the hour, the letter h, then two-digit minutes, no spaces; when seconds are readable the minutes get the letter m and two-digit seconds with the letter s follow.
6h21
